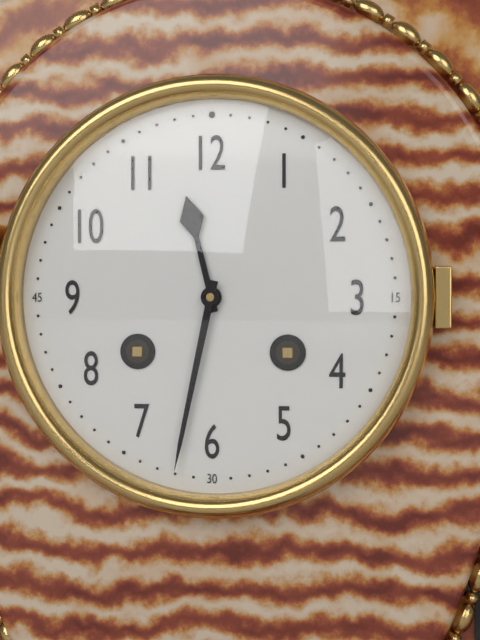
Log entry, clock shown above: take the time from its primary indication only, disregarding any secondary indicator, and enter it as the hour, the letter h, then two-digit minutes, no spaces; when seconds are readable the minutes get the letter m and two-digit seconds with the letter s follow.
11h32
